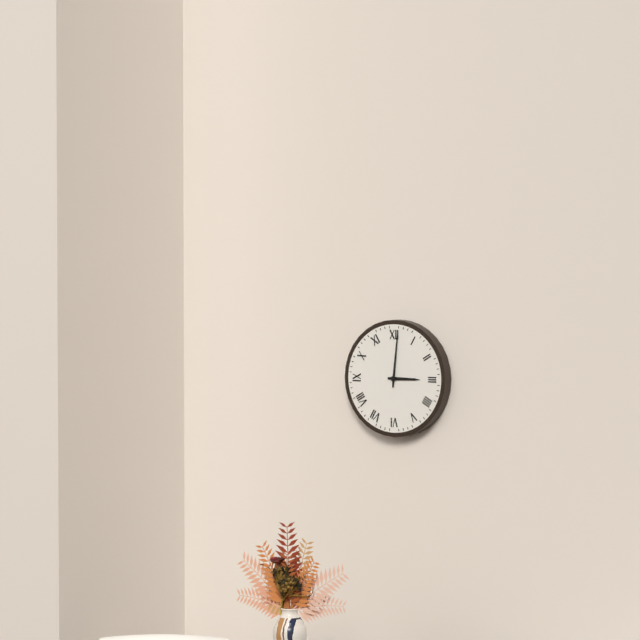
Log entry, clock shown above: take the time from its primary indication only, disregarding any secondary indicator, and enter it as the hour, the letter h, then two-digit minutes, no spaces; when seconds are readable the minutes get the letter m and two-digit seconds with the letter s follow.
3h01
